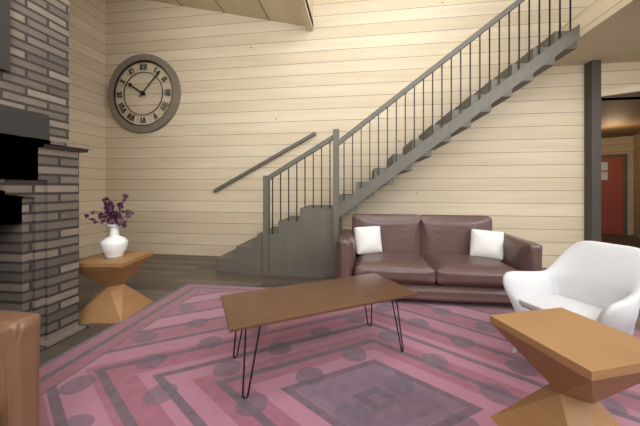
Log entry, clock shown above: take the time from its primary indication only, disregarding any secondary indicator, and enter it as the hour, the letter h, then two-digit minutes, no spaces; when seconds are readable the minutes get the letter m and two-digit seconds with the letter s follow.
10h07
